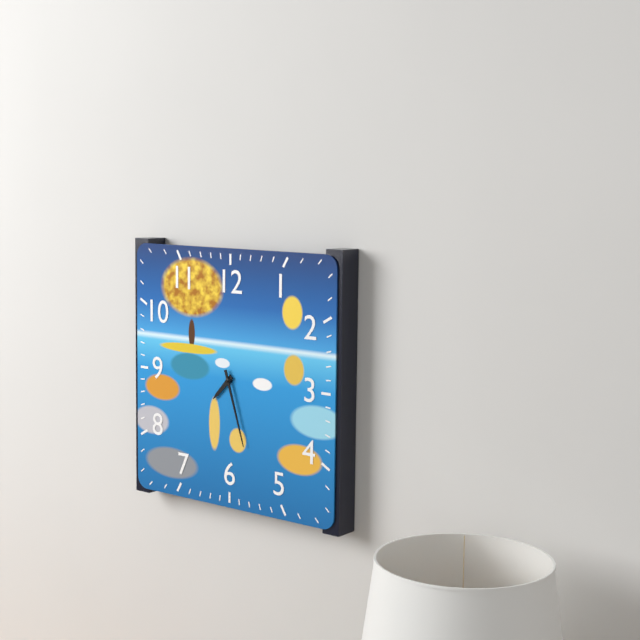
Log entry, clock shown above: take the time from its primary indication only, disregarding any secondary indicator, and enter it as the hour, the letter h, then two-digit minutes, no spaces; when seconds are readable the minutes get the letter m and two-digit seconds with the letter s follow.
7h27
